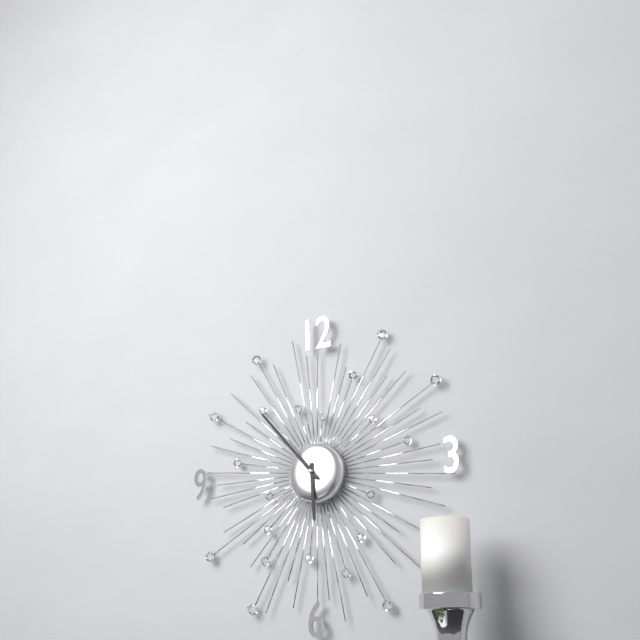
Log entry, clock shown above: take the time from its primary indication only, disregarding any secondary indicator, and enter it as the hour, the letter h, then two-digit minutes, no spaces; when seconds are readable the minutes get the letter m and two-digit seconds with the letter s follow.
5h53
